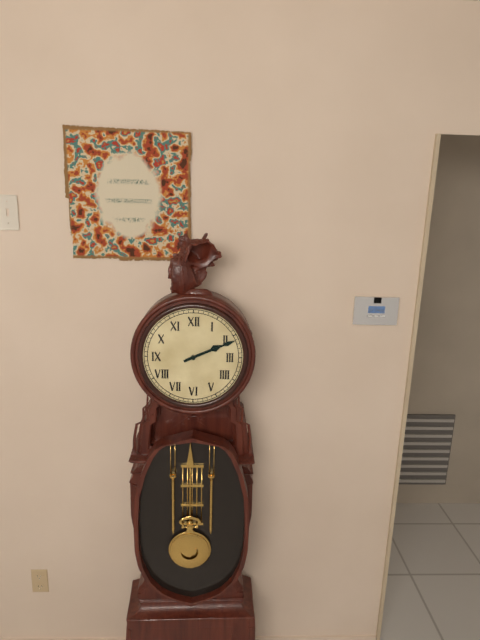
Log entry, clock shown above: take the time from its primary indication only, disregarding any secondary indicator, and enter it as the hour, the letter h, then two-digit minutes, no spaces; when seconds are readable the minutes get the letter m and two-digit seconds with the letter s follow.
2h11
